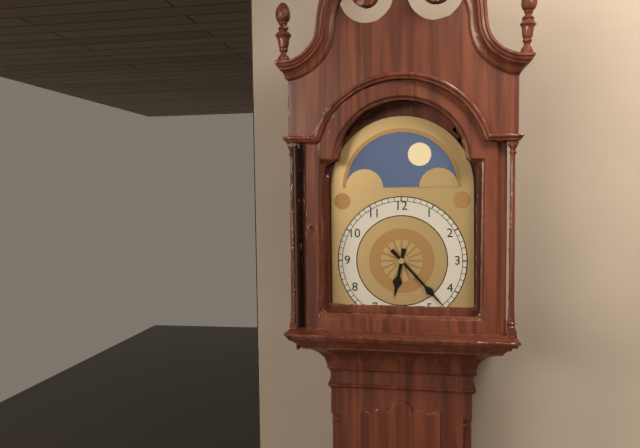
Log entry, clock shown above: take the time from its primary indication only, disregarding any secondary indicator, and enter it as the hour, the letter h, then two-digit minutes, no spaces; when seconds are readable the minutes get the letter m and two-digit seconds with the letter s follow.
6h23
